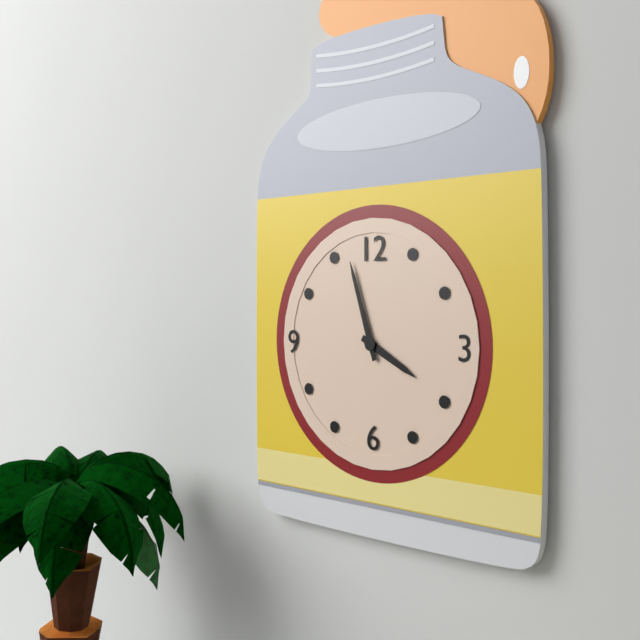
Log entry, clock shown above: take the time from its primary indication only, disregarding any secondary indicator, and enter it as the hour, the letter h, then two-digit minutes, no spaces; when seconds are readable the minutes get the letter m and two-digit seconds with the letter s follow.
3h57
